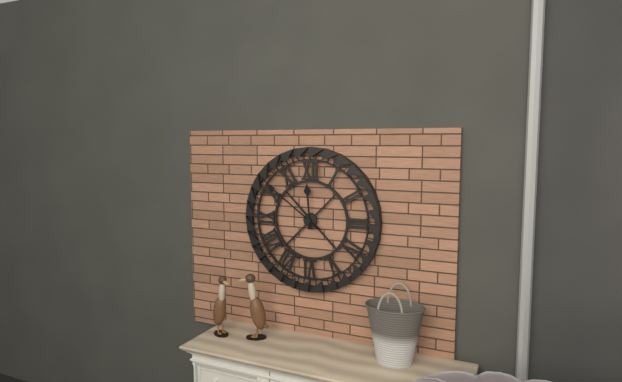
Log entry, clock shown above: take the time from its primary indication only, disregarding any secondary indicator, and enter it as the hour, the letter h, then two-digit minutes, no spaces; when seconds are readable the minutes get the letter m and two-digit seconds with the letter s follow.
11h51
